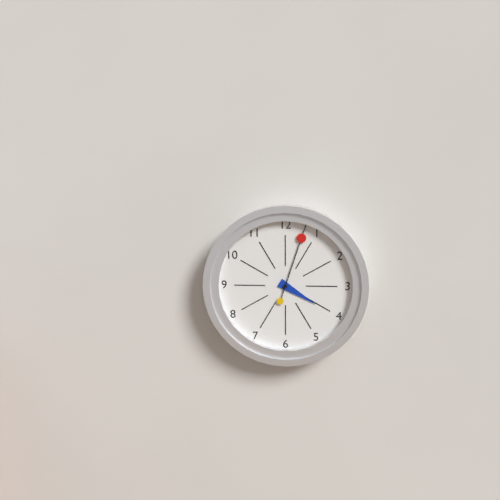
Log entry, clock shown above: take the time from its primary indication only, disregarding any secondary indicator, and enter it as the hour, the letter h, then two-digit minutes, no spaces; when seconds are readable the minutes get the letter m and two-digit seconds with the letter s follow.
4h03
